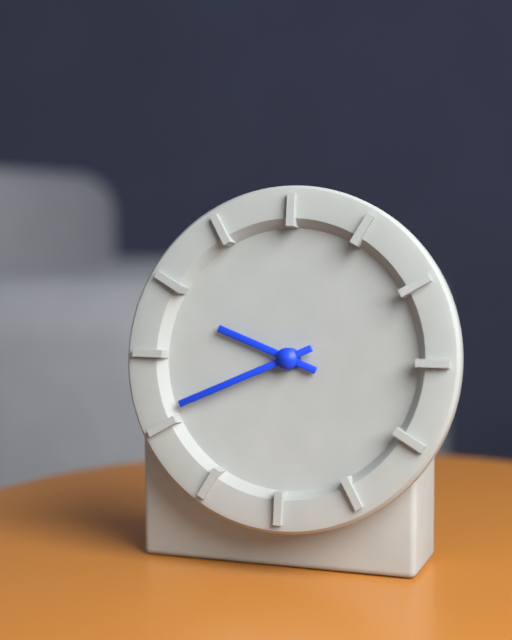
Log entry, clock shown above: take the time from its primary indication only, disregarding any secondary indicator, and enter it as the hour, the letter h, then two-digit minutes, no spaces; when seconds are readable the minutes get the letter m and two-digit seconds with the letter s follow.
9h41
